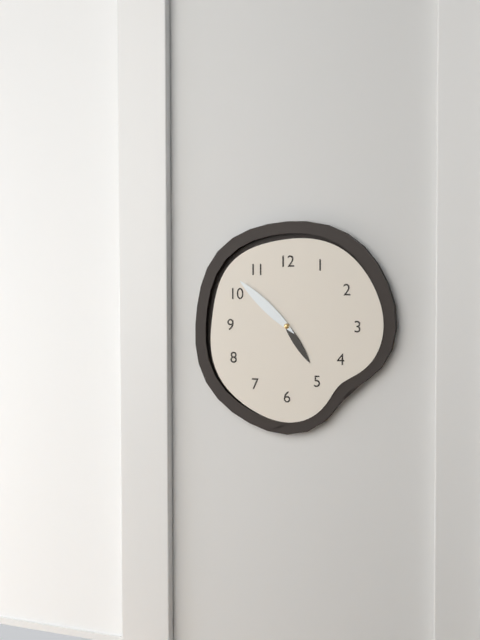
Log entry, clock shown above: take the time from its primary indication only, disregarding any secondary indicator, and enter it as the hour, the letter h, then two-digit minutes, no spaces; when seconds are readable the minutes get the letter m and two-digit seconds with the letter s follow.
4h52
